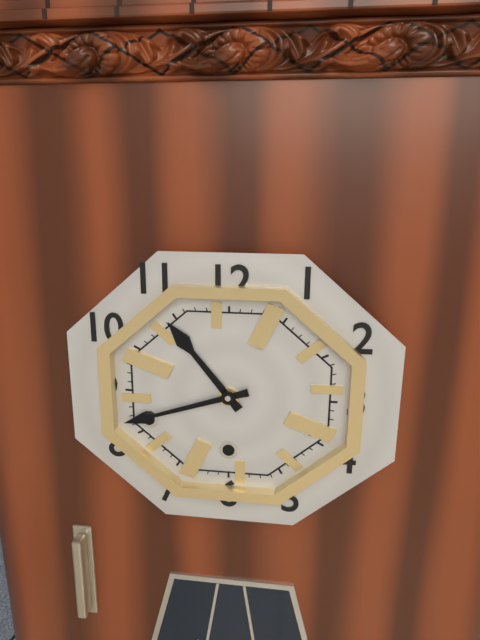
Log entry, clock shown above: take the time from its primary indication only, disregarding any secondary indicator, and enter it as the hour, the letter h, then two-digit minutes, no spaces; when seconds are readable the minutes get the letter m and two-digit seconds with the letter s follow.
10h42
